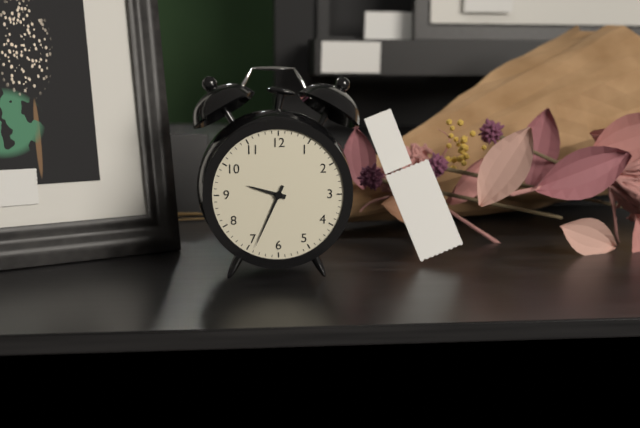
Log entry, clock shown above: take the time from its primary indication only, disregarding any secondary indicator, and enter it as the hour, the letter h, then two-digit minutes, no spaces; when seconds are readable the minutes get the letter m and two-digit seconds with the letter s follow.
9h34
